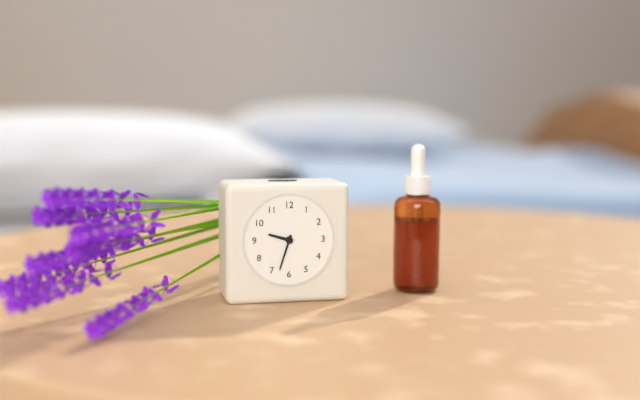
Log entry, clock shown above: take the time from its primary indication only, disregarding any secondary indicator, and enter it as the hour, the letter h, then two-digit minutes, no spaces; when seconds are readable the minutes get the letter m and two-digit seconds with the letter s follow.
9h33
